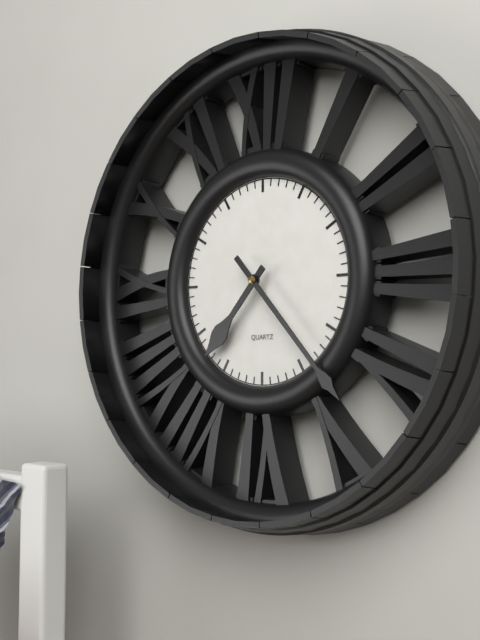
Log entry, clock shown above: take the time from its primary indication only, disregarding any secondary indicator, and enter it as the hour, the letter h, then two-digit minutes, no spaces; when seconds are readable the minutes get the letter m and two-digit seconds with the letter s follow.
7h23
